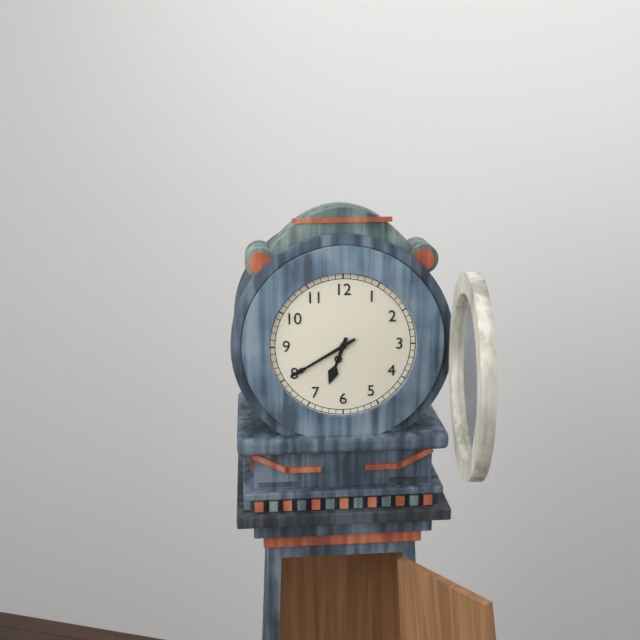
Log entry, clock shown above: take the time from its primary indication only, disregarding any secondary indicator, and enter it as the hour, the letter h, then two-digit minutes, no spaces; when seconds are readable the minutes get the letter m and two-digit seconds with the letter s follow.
6h40
